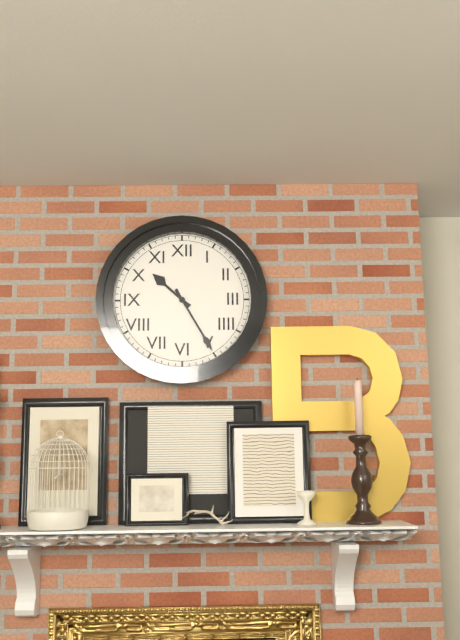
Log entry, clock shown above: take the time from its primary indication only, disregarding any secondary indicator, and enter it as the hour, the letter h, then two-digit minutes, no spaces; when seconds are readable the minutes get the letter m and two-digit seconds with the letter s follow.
10h25
